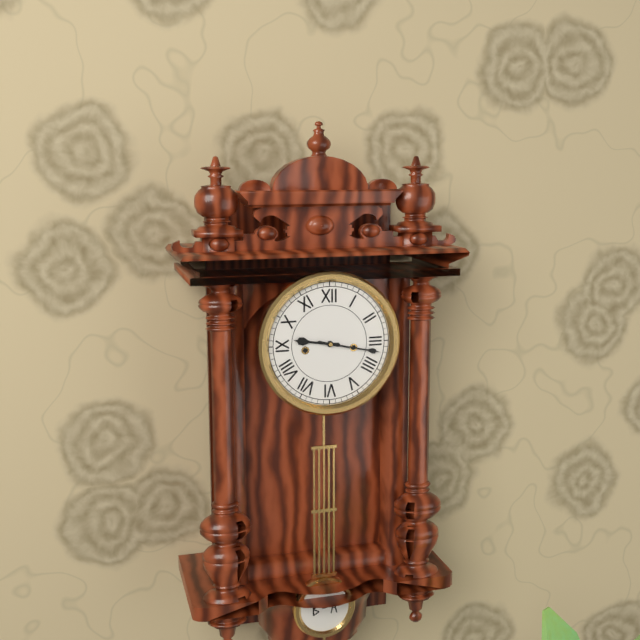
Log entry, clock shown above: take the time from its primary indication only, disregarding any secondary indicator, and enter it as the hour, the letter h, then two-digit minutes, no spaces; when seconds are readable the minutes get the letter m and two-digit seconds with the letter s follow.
9h17
